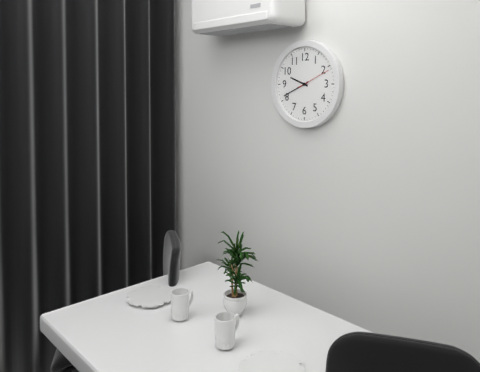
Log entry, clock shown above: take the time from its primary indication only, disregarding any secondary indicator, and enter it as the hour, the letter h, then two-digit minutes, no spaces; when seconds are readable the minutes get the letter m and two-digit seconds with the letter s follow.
9h41
